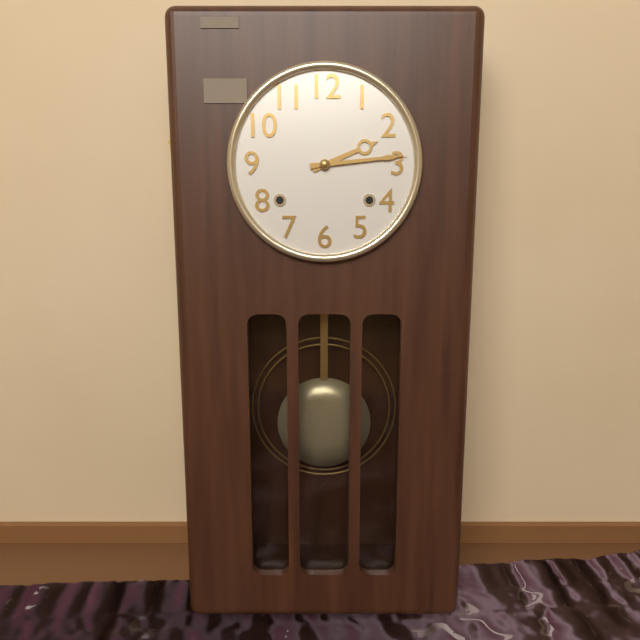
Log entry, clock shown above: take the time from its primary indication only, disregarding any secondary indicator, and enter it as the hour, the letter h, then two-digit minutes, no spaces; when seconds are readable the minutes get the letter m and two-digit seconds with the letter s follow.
2h14
